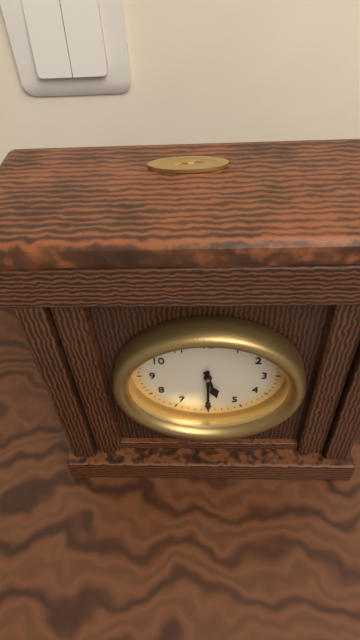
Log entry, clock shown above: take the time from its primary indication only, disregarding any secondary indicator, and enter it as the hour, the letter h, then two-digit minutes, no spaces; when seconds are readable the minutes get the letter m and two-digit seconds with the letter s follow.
5h30
